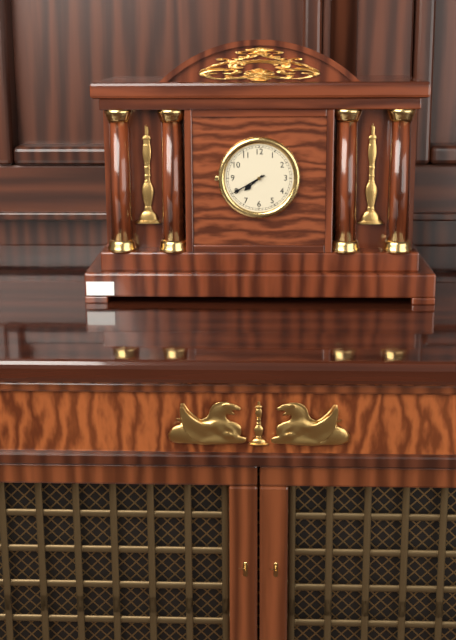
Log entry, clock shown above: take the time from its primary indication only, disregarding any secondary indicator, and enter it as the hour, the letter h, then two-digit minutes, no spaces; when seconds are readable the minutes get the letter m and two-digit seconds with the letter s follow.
7h40
